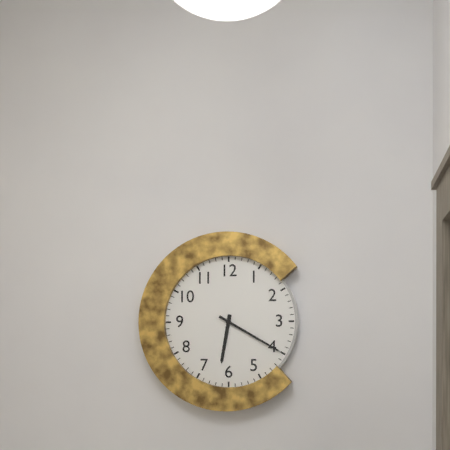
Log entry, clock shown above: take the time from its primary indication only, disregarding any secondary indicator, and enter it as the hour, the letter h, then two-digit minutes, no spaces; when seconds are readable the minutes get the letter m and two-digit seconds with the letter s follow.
6h20
